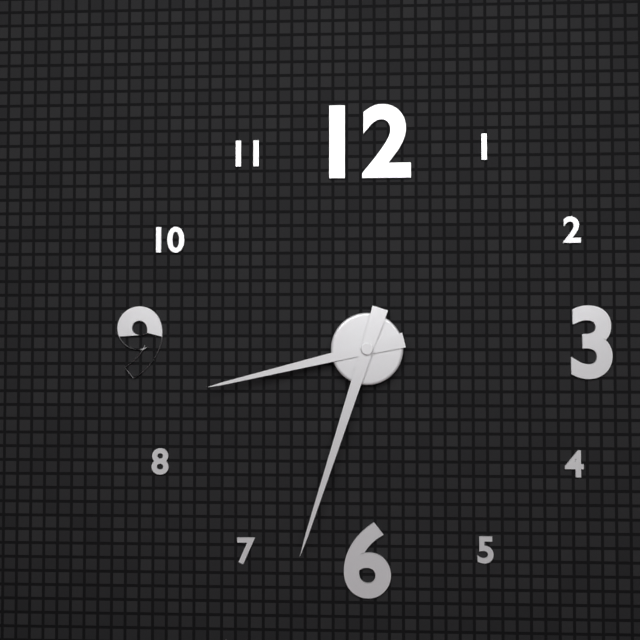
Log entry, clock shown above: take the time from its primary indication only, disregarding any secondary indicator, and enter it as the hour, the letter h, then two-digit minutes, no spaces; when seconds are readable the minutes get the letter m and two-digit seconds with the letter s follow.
8h33
